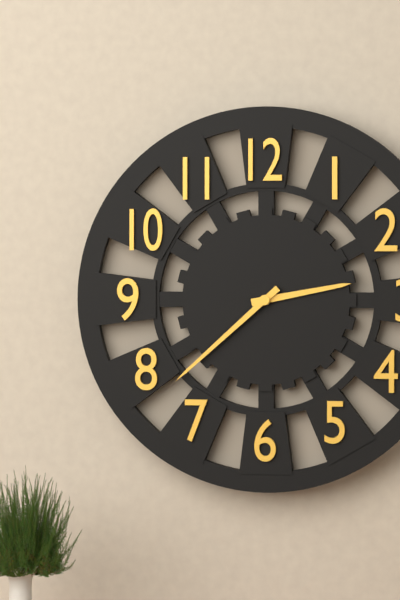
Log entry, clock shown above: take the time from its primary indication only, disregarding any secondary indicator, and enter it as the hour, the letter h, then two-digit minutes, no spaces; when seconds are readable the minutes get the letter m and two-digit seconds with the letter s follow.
2h38
